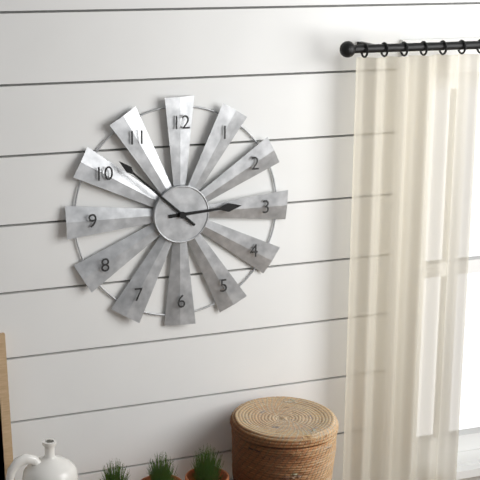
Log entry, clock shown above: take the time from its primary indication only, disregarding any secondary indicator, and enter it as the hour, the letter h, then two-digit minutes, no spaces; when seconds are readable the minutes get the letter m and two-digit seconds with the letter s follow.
2h52
